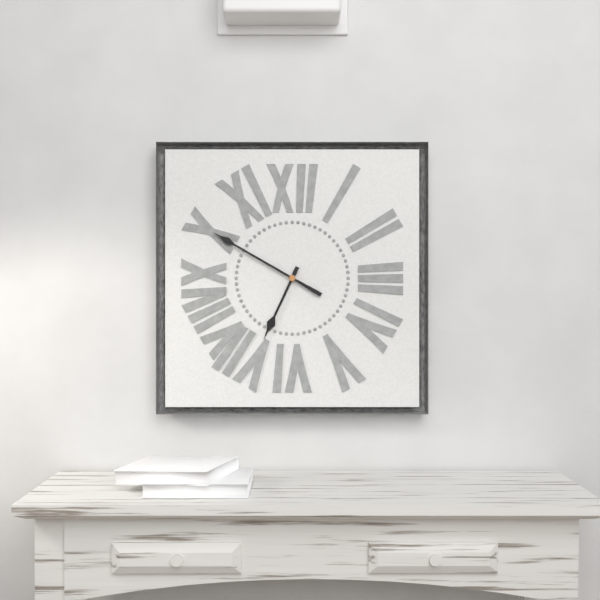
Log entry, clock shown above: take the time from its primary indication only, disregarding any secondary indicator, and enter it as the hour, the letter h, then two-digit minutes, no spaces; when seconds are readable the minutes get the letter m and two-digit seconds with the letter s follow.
6h50
